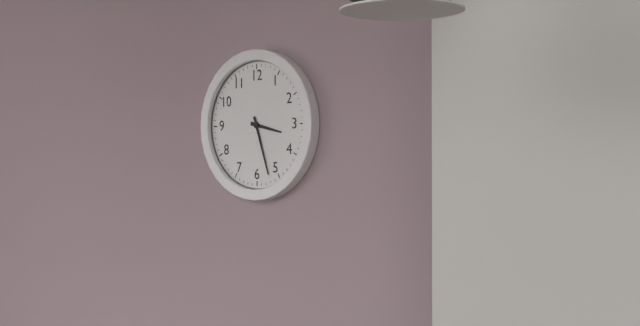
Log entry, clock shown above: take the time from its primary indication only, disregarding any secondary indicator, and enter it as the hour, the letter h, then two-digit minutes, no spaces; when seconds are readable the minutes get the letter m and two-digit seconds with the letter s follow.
3h27
